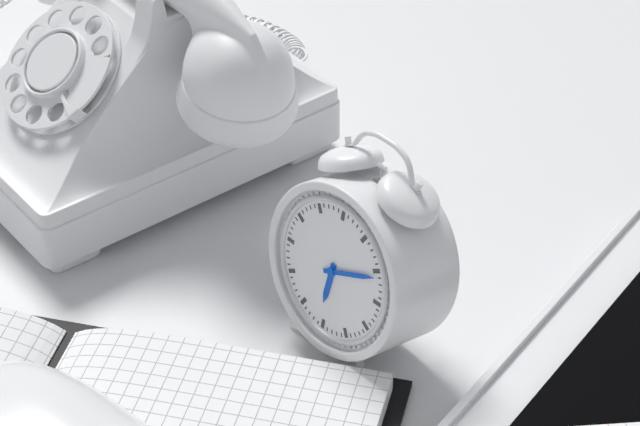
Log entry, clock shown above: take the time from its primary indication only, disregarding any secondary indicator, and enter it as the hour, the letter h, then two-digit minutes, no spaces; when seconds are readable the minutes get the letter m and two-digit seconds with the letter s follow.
6h11
